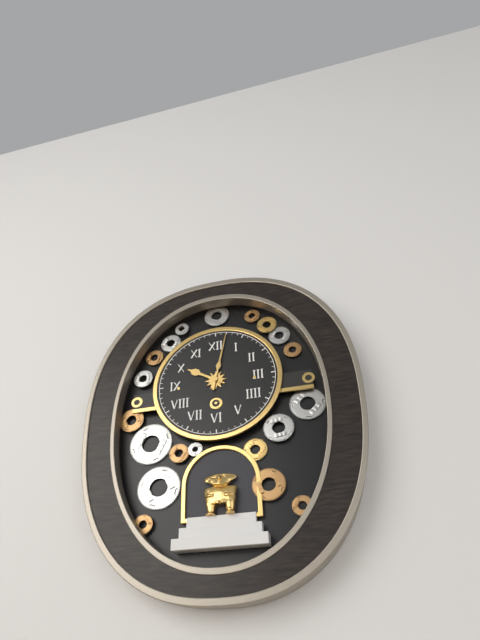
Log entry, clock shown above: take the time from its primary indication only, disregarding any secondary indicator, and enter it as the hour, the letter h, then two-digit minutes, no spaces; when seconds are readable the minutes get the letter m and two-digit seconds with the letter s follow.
10h02
